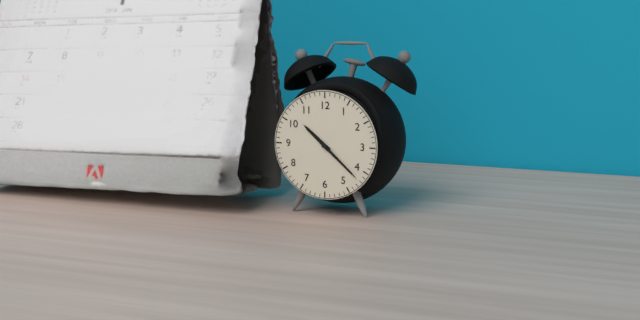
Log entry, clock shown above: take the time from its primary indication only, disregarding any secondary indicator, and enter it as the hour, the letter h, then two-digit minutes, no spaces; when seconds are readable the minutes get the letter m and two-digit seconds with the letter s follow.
10h22
